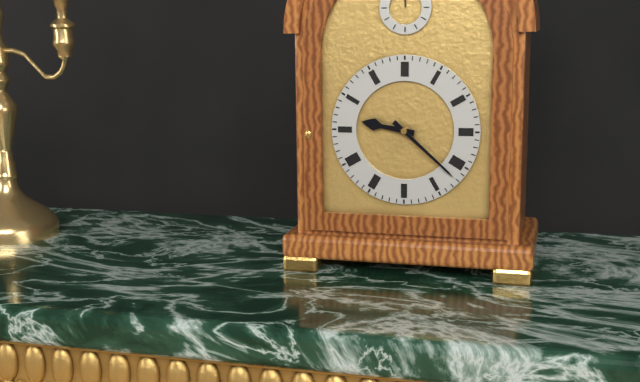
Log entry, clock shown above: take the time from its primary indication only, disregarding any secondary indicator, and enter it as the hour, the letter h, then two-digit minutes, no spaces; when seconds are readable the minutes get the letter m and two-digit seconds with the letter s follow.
9h22
